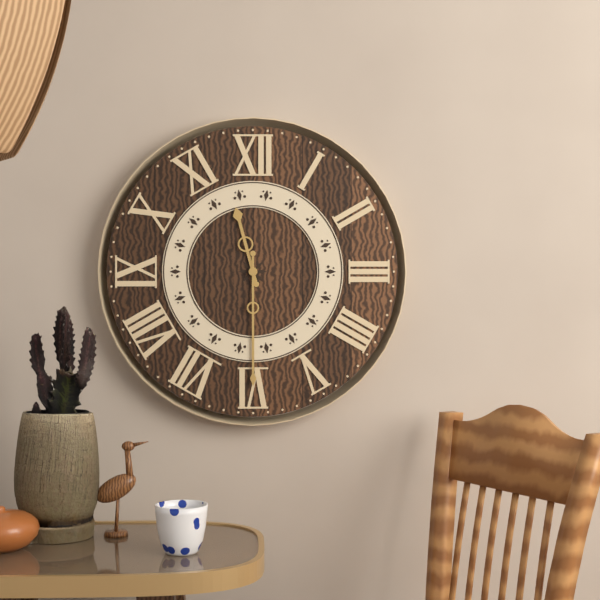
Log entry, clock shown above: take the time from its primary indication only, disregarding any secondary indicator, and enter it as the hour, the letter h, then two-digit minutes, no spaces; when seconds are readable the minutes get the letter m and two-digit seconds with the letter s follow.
11h30
